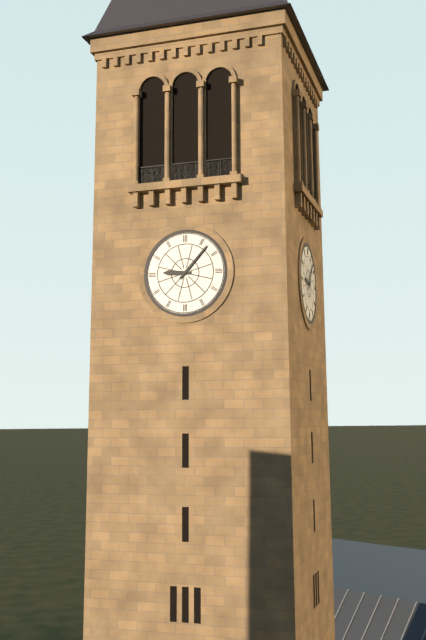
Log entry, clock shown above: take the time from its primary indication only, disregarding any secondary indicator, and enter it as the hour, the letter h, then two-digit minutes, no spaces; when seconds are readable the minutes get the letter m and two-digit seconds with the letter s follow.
9h07
